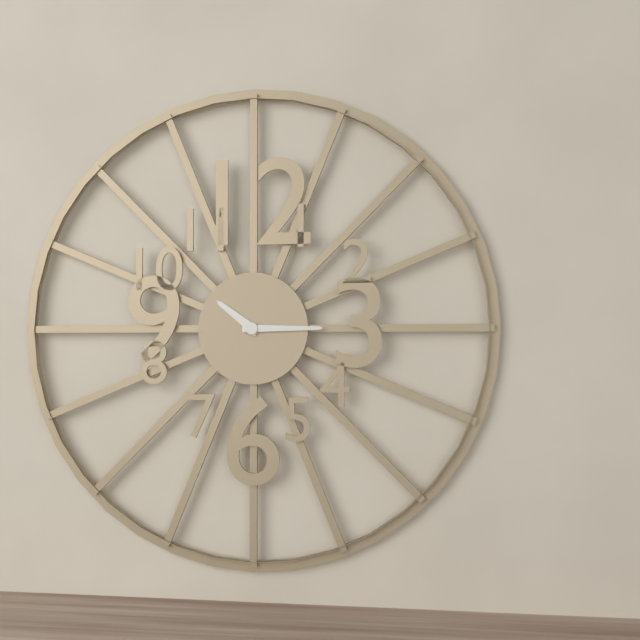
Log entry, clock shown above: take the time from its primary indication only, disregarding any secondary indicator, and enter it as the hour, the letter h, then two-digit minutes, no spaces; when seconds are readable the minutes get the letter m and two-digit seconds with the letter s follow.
10h15
